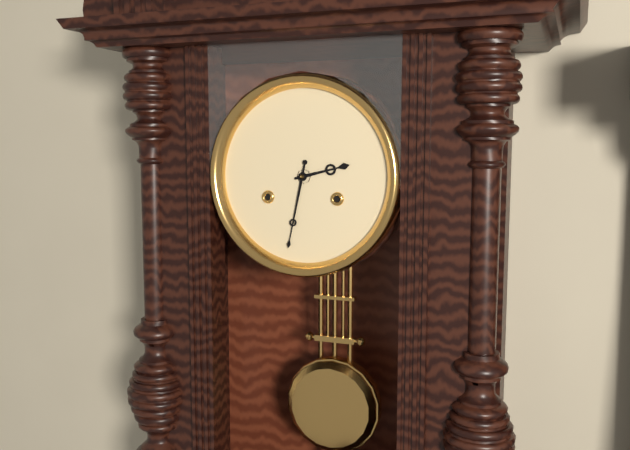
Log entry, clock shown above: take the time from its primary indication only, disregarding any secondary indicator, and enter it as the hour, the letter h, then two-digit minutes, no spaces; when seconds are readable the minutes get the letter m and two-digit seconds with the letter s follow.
2h32
